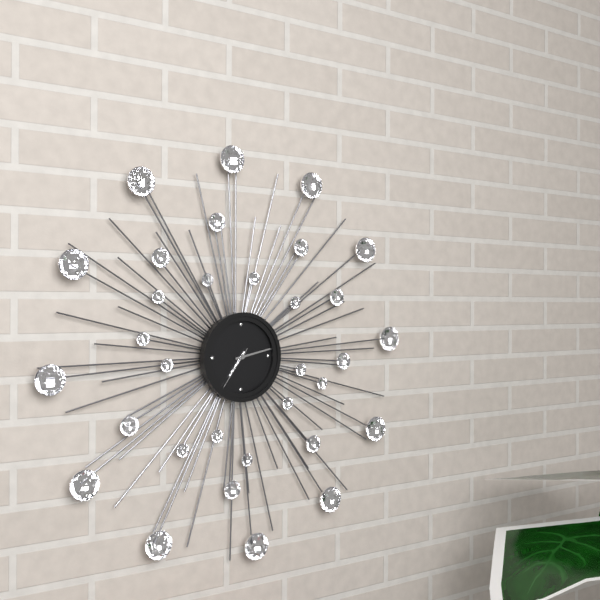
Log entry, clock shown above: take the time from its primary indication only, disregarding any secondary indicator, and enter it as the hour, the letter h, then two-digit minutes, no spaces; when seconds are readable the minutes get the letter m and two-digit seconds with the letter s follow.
7h13
